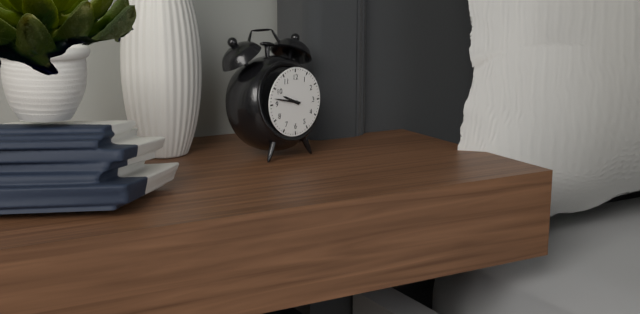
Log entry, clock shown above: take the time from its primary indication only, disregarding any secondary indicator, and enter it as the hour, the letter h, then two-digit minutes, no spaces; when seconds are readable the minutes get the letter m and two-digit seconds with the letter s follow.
9h47
